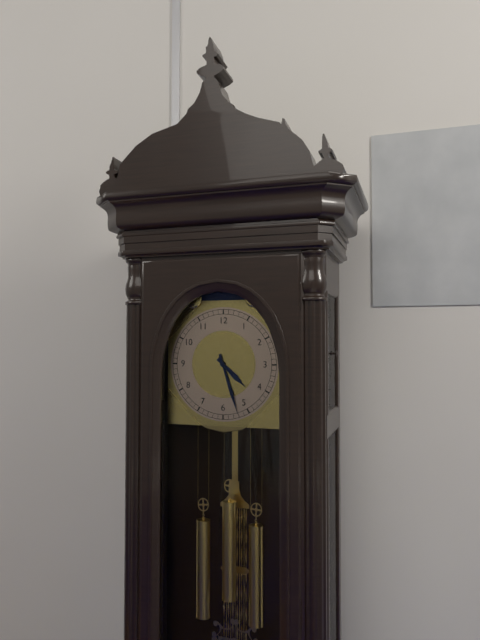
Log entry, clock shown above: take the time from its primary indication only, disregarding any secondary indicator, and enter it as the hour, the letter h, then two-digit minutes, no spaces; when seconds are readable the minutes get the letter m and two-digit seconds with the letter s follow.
4h27
